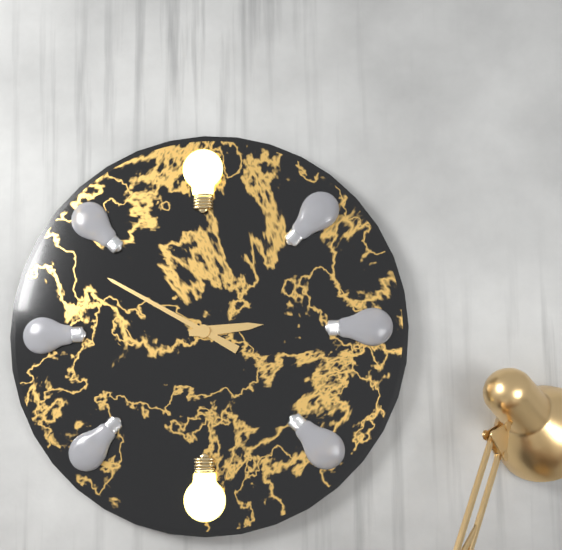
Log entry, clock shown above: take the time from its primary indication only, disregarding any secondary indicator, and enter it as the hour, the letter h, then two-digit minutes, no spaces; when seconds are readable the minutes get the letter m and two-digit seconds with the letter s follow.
2h50
